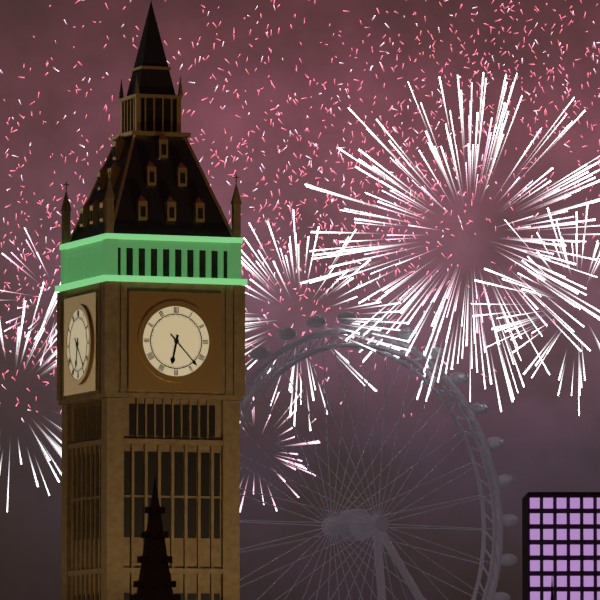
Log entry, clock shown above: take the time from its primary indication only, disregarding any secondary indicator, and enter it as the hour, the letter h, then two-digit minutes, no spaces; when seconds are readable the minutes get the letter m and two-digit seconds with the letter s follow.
6h23
